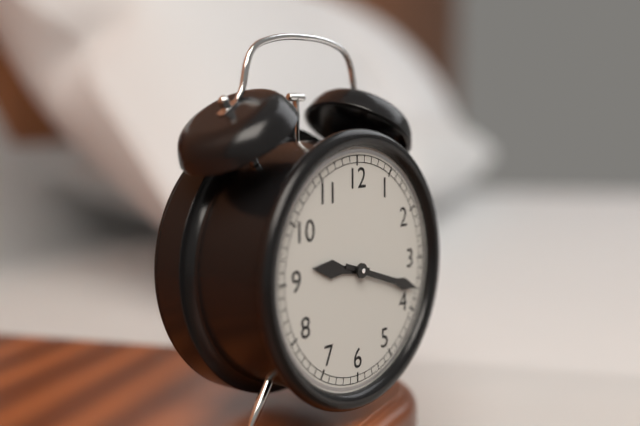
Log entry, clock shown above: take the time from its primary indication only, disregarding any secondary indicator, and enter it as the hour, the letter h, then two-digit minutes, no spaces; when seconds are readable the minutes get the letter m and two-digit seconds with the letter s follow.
9h18
